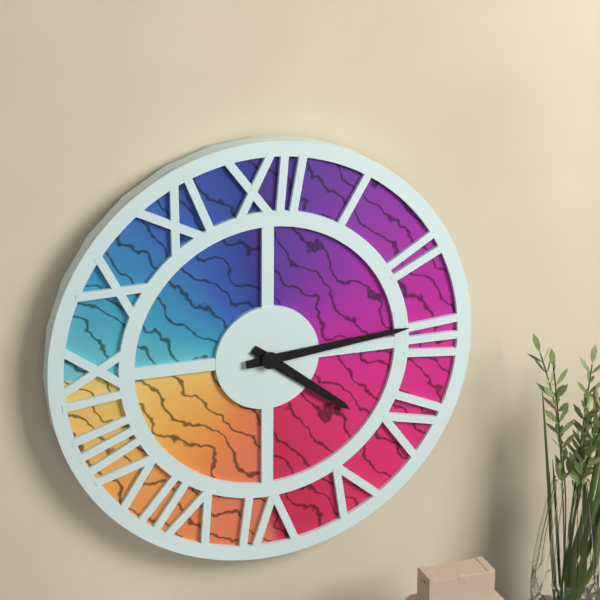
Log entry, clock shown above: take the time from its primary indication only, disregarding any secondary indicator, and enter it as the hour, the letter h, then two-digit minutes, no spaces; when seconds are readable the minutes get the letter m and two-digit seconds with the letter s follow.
4h14
